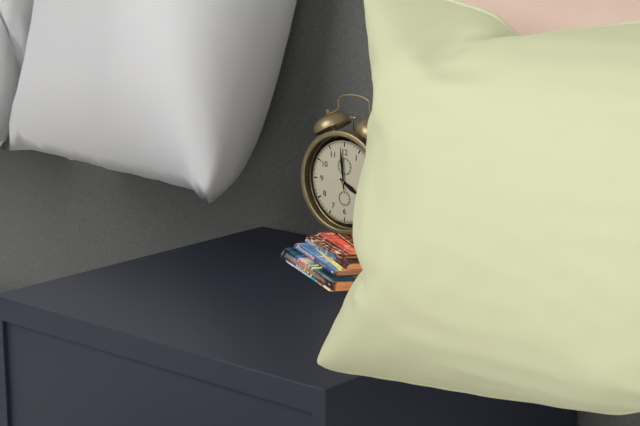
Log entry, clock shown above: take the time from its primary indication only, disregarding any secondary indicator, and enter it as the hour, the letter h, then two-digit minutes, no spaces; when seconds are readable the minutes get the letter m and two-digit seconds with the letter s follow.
3h59
